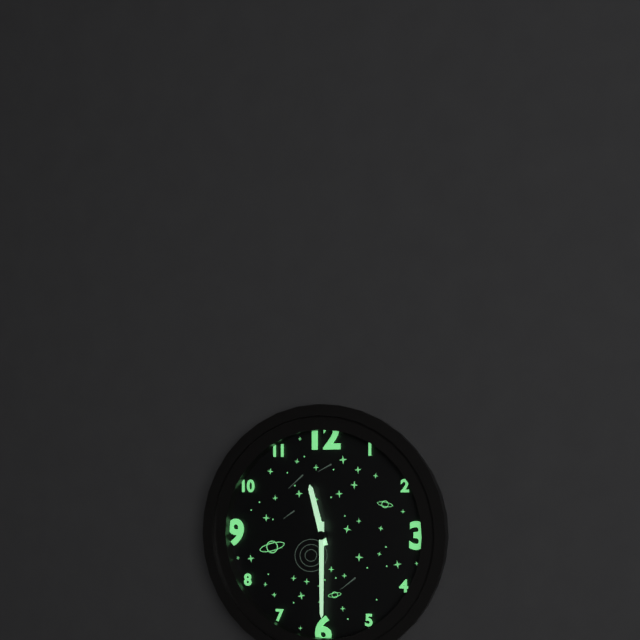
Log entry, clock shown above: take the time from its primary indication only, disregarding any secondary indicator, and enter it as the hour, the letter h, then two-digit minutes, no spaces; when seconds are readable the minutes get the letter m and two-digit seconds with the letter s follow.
11h30
